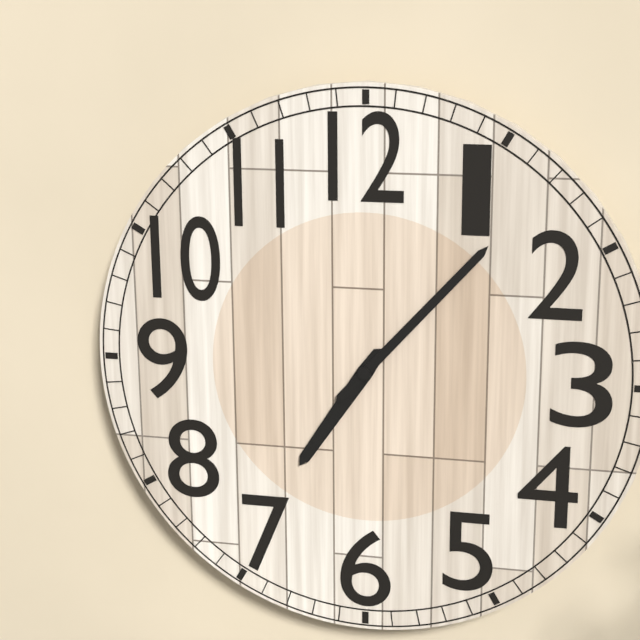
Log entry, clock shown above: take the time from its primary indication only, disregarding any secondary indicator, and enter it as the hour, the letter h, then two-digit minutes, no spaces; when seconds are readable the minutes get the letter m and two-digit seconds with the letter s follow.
7h07
